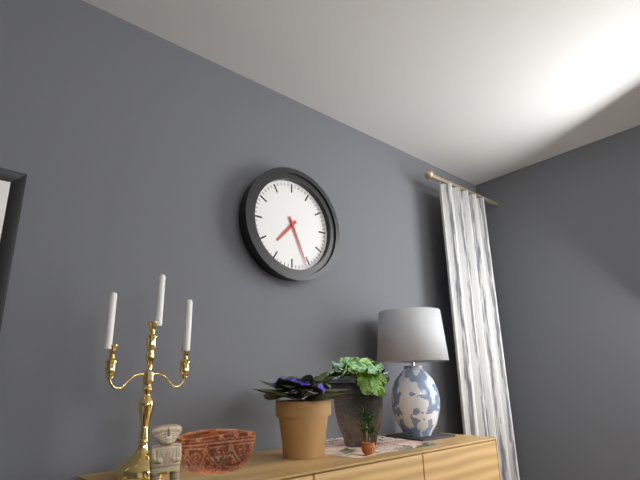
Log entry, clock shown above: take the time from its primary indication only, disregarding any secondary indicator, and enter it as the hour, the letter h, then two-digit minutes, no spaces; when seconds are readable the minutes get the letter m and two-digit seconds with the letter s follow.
7h26
